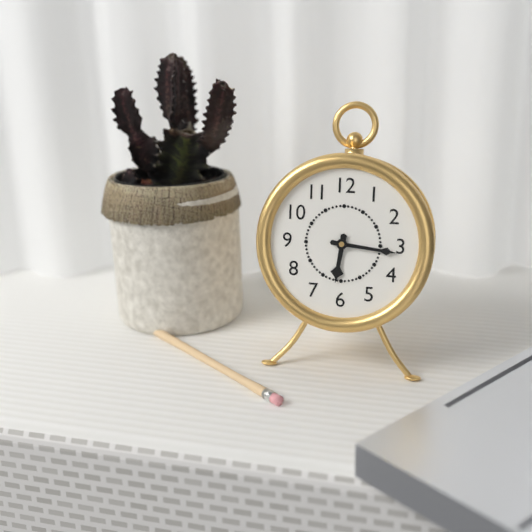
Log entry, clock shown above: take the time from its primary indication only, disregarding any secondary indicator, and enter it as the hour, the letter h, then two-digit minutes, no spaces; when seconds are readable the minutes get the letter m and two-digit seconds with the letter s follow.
6h16
